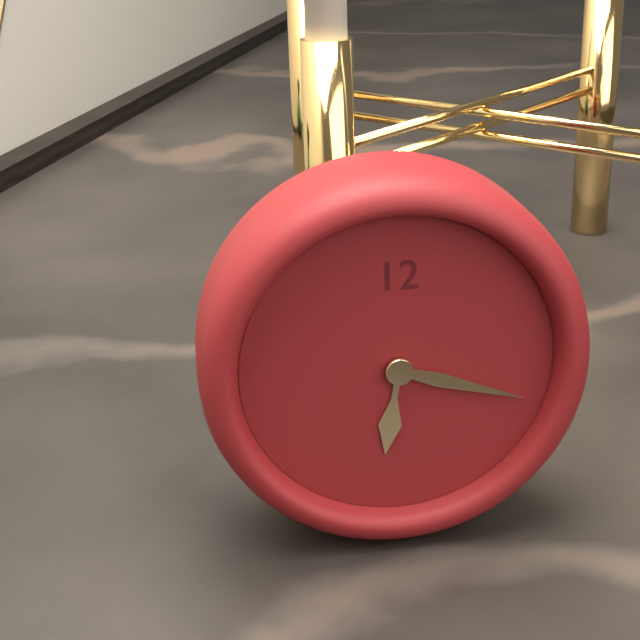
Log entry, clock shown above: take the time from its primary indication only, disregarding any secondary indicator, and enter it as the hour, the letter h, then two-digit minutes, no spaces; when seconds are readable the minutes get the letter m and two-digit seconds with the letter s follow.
6h18
